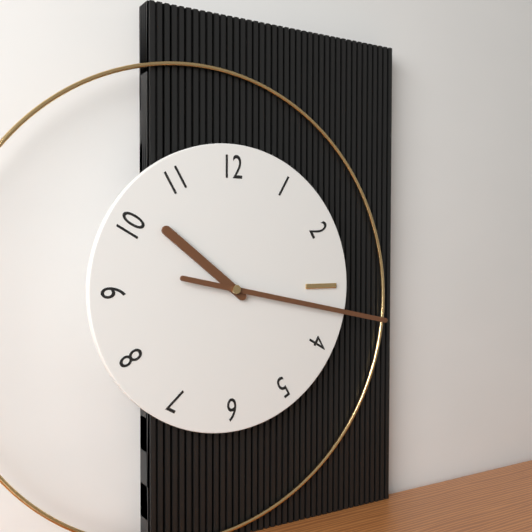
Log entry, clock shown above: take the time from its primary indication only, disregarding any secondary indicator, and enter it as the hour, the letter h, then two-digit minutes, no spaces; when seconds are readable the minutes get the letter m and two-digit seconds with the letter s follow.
10h17
